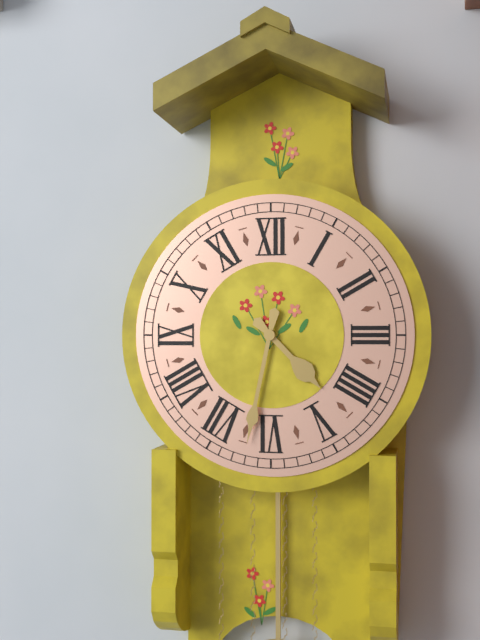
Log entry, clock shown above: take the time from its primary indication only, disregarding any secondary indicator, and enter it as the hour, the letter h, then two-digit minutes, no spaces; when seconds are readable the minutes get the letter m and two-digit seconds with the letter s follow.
4h32
